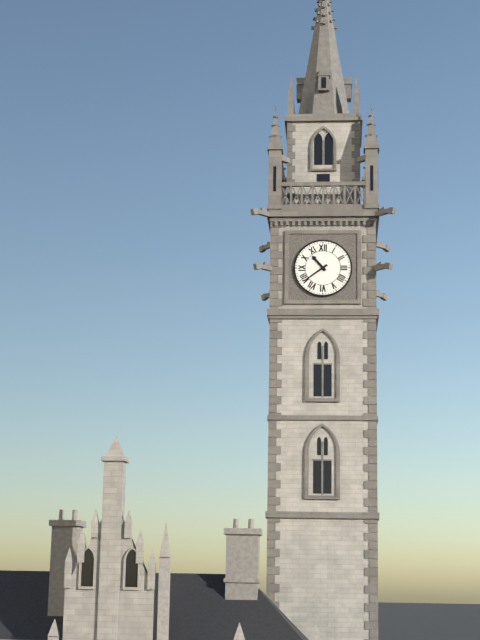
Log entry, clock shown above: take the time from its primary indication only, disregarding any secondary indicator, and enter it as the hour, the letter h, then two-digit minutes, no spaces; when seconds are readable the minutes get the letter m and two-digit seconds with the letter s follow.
10h39
